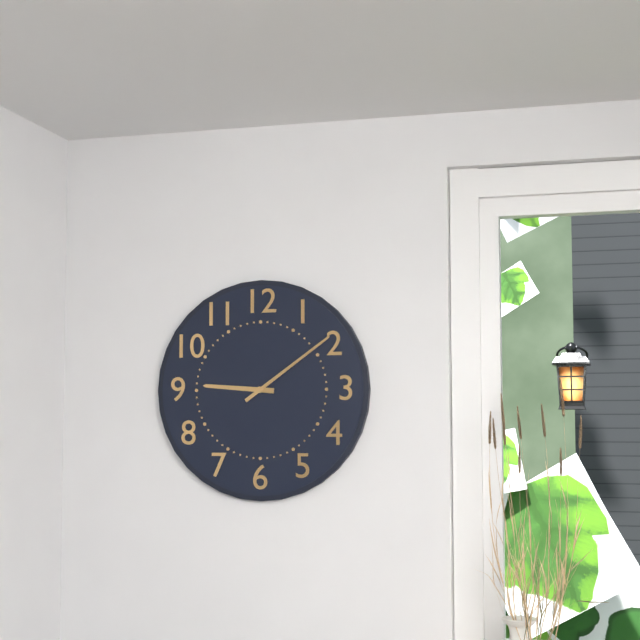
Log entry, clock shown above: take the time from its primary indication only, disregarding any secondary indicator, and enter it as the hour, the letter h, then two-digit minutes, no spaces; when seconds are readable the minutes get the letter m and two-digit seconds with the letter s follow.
9h09
